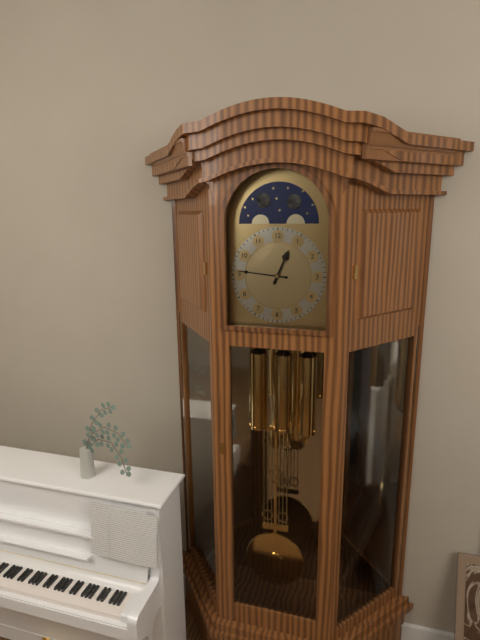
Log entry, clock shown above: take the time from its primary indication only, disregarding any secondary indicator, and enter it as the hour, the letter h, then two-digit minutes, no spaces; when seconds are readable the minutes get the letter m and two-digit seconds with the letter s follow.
12h46
